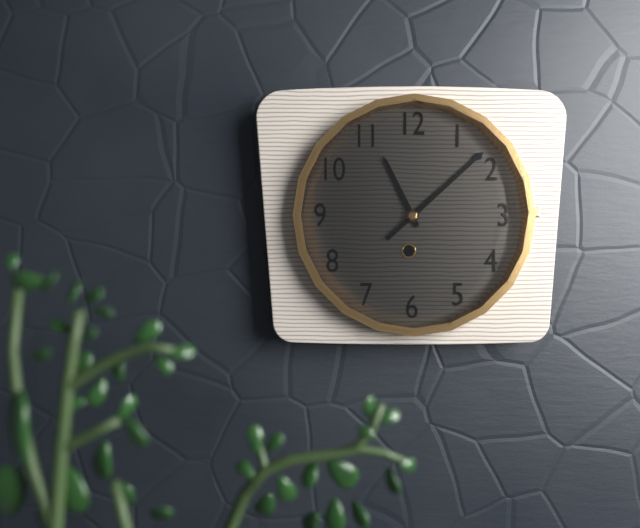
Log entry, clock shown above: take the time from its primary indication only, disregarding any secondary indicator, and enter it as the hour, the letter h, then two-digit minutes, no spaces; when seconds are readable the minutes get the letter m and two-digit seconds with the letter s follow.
11h08
